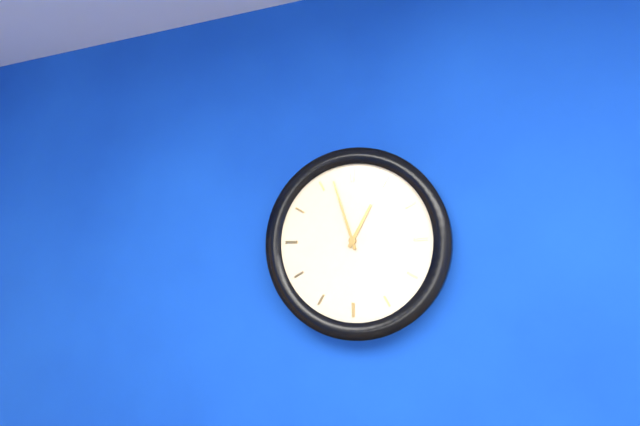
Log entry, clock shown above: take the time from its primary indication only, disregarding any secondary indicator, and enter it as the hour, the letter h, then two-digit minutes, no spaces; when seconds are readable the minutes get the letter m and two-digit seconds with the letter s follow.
12h57
